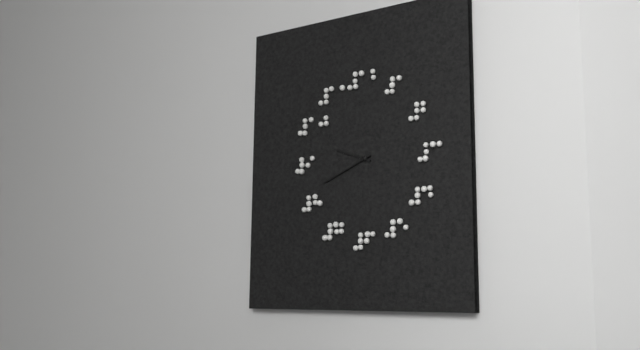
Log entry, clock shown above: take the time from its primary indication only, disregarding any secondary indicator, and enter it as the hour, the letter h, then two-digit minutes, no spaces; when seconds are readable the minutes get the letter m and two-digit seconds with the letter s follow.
9h41
